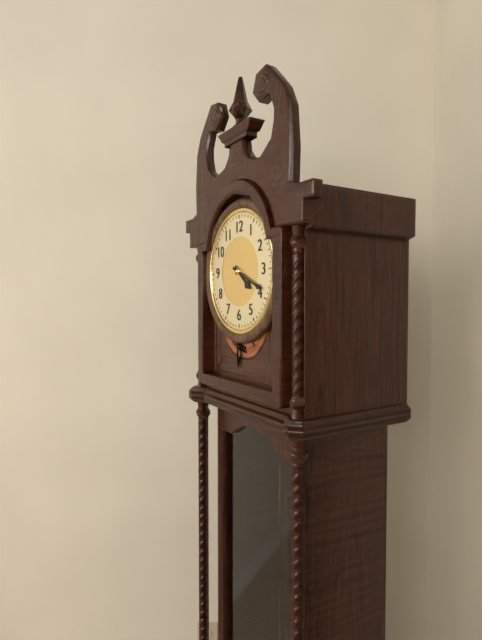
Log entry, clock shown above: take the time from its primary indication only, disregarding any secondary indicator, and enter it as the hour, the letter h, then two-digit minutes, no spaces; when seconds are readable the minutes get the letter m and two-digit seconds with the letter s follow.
4h19
